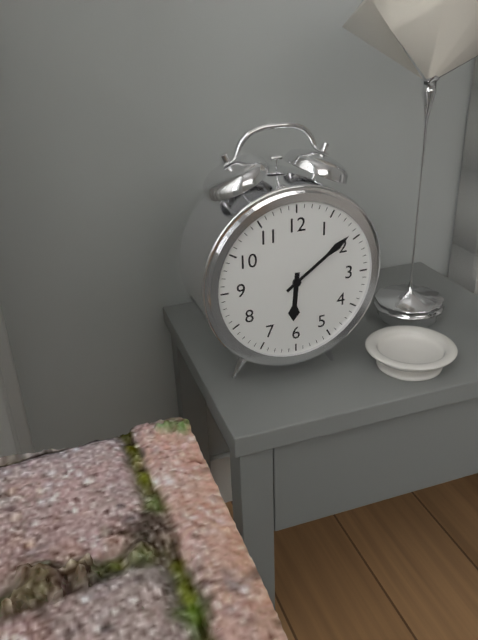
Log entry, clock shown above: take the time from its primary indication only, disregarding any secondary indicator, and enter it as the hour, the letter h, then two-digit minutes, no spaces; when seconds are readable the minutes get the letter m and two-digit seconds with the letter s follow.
6h09
